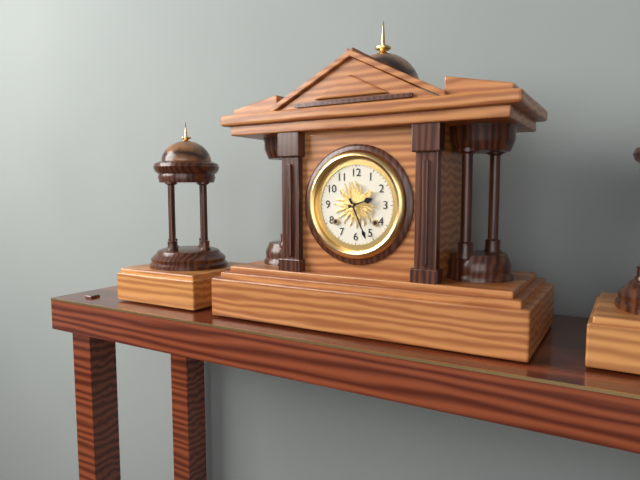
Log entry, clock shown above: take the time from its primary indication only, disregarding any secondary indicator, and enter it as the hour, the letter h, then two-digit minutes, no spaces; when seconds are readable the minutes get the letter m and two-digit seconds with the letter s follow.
2h26
